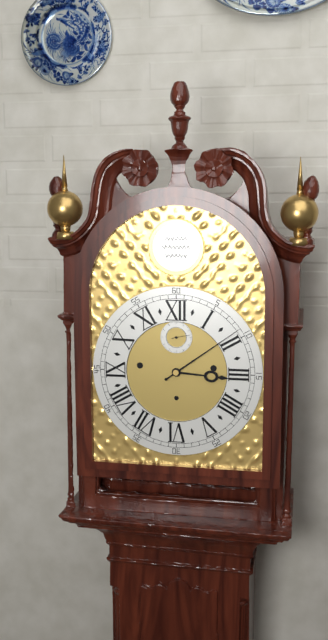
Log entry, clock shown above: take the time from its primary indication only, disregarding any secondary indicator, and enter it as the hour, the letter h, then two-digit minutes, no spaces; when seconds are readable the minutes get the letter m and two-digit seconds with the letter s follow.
3h09
